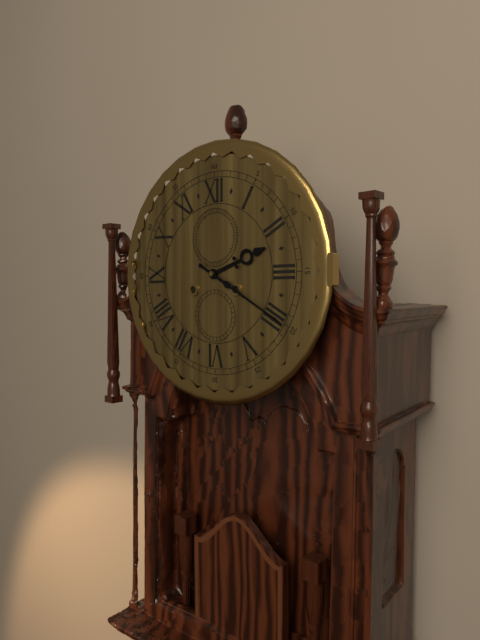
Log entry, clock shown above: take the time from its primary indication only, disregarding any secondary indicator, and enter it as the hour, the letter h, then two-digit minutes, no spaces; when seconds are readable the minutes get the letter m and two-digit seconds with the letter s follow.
2h20
